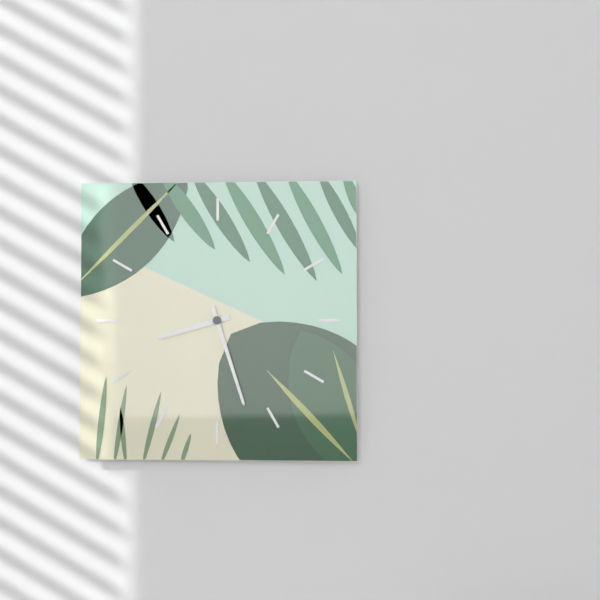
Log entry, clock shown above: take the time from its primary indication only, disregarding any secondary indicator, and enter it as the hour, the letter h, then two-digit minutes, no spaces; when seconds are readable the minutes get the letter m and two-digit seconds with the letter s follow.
8h27
